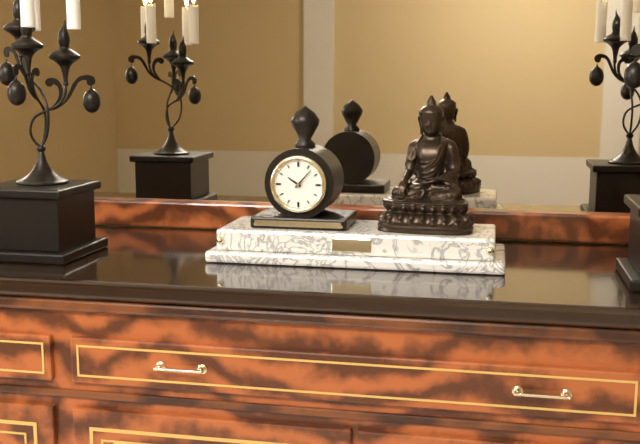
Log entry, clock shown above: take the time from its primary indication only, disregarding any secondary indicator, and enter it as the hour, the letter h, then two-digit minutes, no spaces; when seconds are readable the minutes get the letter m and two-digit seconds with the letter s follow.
10h07
